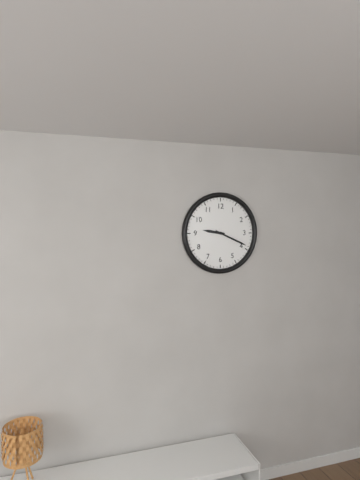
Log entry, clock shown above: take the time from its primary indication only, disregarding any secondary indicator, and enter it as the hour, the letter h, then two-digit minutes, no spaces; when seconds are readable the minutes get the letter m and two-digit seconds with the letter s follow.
9h19
